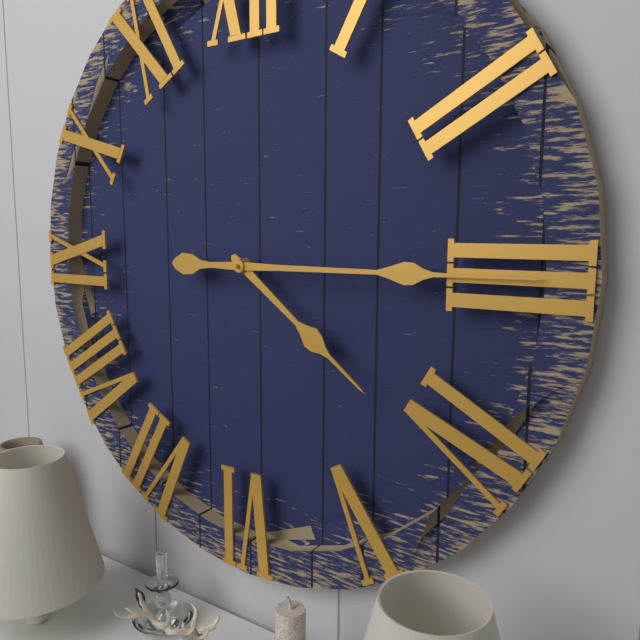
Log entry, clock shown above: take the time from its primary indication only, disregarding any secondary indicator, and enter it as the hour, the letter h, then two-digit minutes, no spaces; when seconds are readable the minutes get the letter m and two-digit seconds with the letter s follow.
4h15
